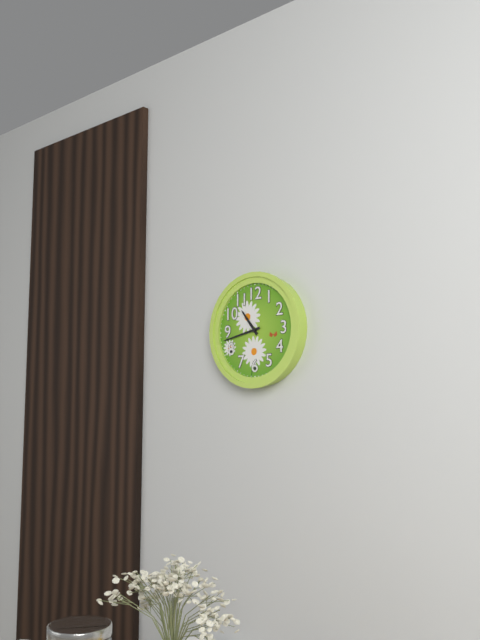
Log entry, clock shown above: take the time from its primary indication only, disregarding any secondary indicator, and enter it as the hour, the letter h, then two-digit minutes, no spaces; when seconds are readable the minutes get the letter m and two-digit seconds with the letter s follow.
10h43
